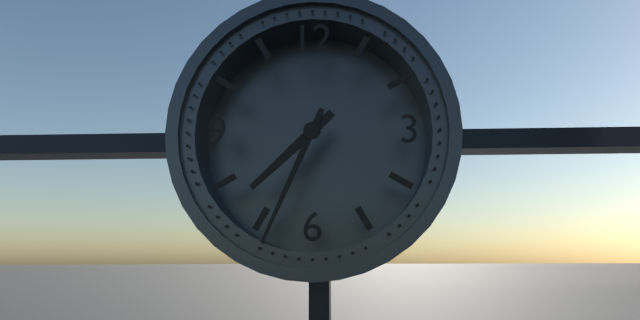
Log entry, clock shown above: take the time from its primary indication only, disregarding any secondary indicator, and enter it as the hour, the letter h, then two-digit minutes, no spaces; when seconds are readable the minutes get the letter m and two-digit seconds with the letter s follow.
7h34
